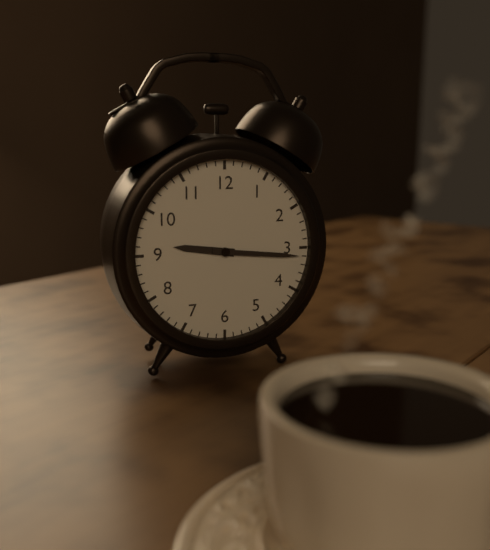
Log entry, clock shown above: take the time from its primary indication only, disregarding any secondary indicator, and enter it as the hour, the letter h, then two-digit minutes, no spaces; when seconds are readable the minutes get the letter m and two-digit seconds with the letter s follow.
9h16
